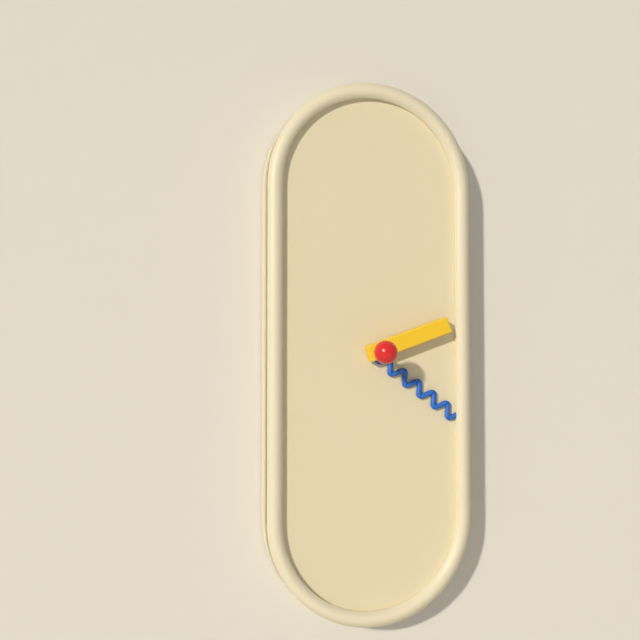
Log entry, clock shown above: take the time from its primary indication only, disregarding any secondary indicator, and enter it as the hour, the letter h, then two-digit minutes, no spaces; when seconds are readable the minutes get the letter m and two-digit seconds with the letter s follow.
2h21
